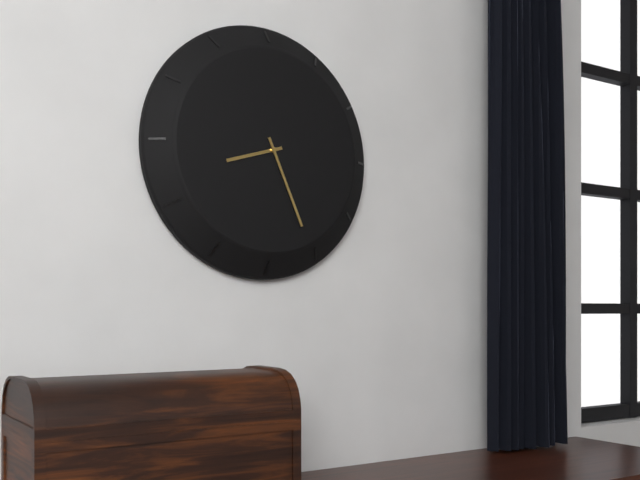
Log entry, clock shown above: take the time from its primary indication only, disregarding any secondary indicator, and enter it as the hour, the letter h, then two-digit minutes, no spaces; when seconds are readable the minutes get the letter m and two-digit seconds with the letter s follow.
8h26
